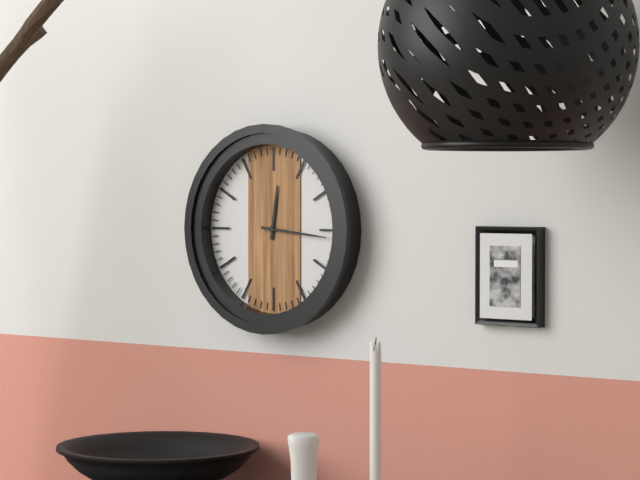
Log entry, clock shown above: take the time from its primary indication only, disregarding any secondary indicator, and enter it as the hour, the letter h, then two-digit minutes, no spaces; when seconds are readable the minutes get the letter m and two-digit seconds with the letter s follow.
12h16
